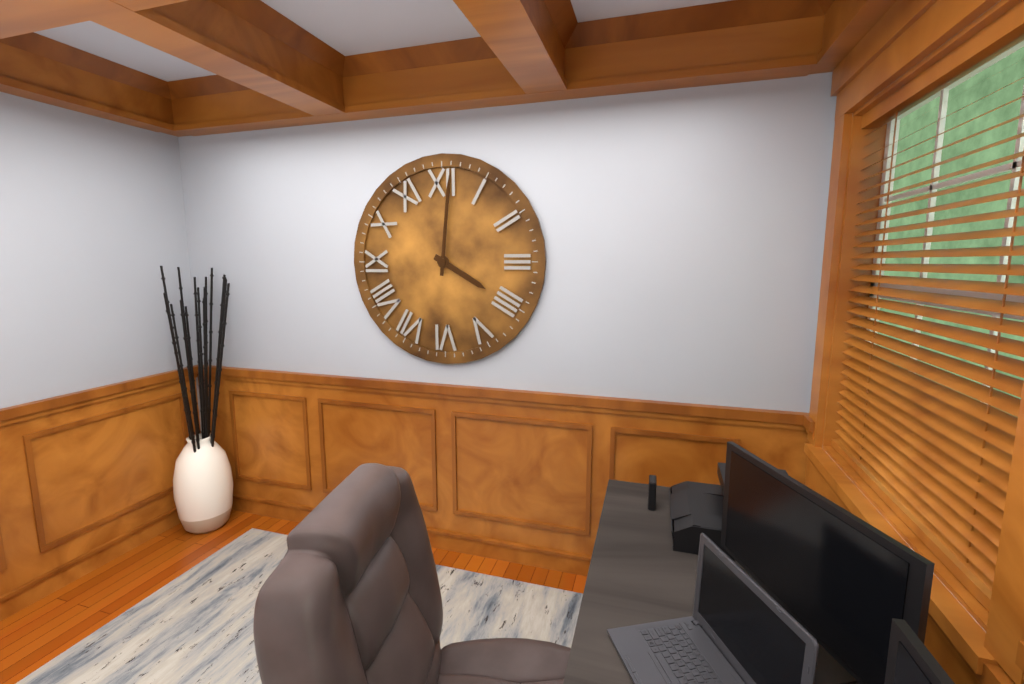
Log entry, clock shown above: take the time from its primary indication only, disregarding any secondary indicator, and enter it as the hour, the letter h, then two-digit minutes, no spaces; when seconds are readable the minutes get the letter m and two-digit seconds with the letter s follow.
4h01
